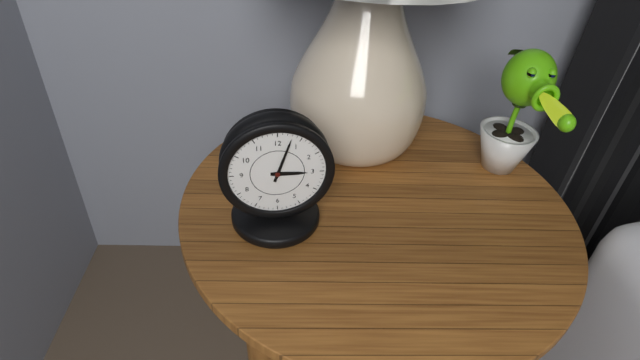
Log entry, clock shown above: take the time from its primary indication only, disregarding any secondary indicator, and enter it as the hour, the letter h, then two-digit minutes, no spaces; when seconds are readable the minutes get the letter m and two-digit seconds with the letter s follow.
3h03
